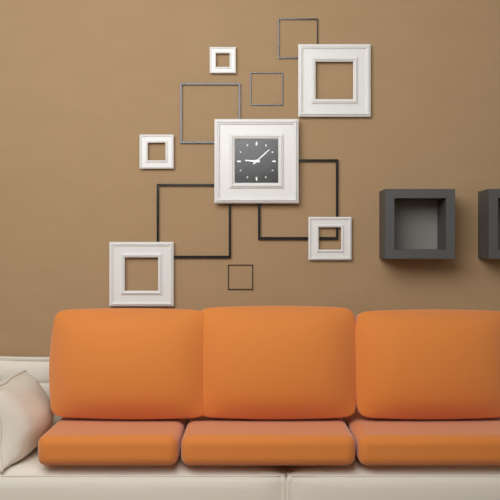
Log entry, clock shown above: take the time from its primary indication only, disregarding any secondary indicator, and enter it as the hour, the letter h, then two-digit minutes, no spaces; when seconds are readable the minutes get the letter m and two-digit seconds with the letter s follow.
9h08
